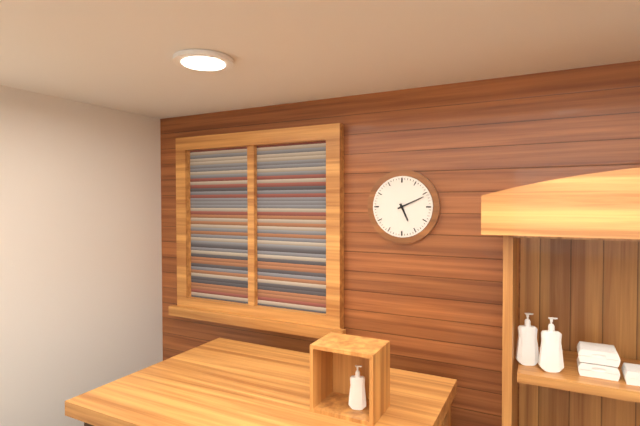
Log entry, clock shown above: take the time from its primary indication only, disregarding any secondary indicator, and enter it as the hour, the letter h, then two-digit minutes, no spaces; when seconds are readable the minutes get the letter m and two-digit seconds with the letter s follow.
5h11
